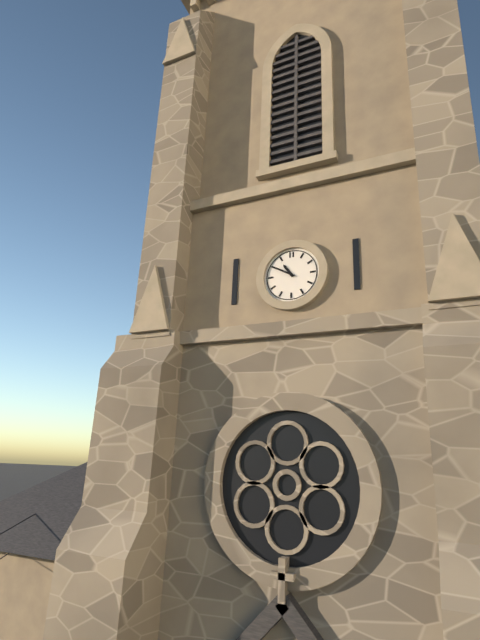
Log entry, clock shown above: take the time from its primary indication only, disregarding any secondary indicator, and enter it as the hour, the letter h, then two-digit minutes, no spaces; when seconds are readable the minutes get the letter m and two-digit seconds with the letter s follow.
10h50
